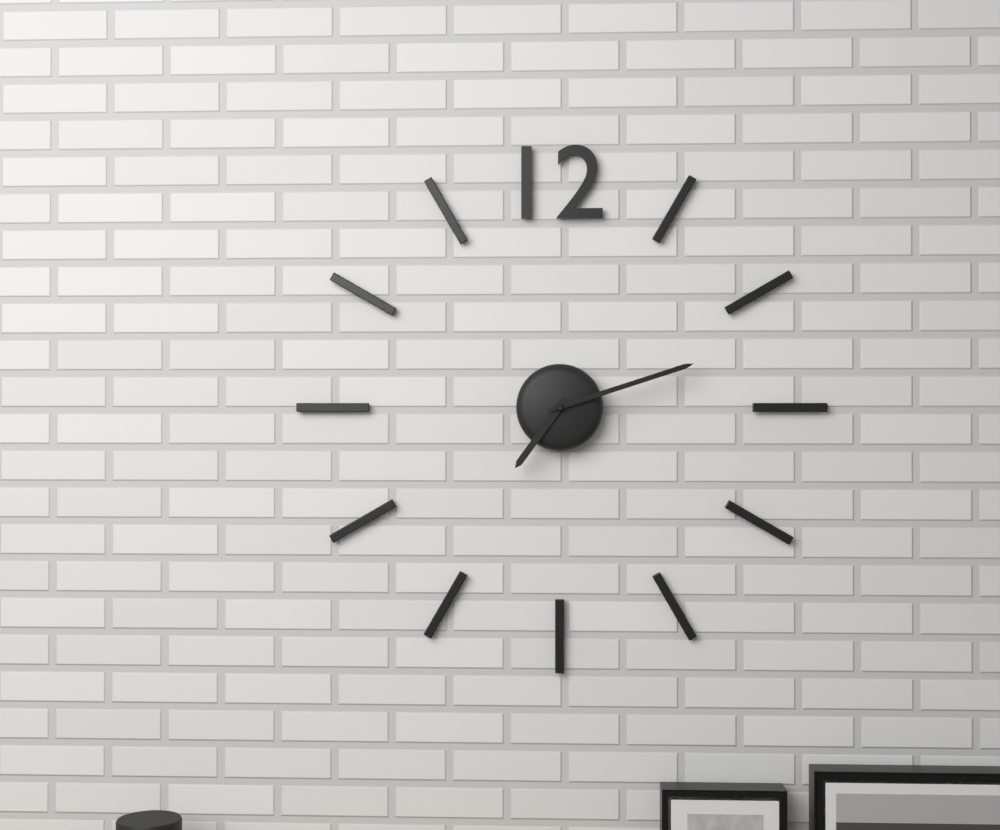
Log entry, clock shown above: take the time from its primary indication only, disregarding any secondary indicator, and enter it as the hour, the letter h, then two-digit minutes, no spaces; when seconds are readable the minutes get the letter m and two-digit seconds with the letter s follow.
7h12
